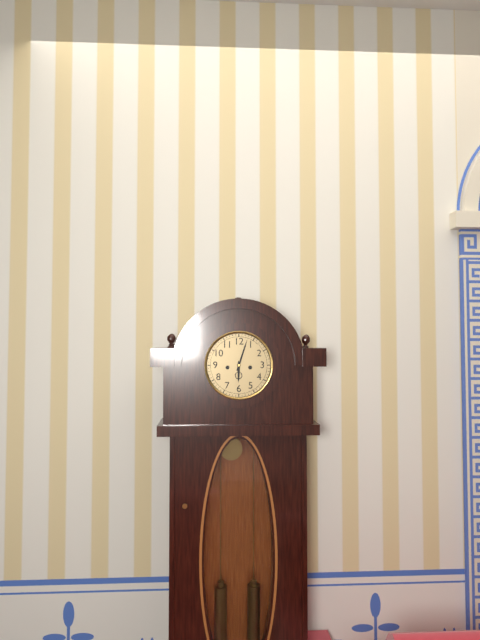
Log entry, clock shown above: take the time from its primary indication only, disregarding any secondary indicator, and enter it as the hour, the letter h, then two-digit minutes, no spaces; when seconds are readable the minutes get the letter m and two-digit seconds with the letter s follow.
6h03
